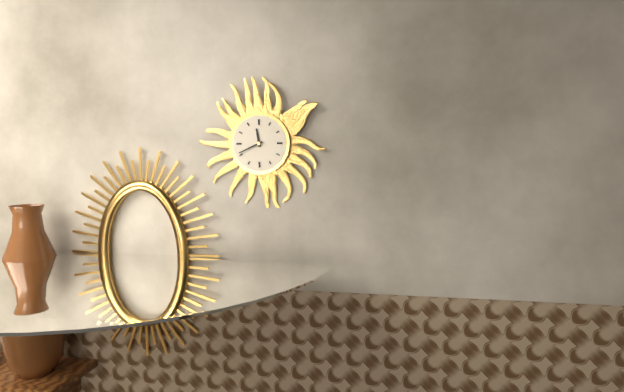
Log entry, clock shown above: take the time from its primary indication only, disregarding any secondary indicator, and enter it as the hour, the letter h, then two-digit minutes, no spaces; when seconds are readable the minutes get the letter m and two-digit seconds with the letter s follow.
11h41
